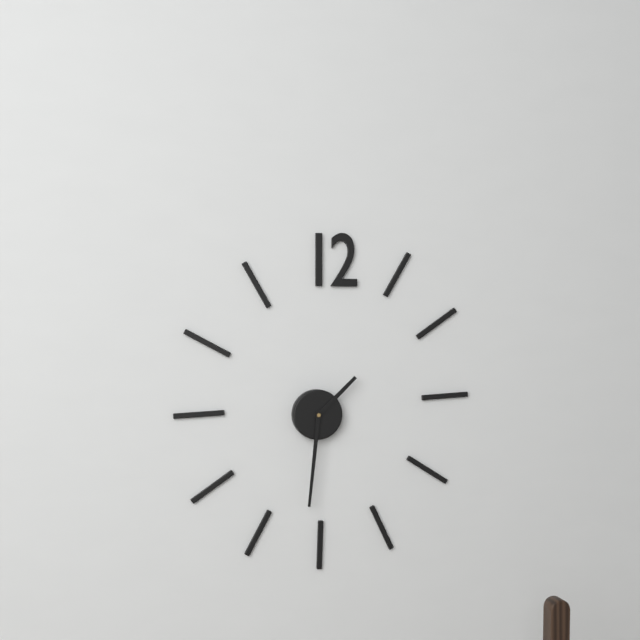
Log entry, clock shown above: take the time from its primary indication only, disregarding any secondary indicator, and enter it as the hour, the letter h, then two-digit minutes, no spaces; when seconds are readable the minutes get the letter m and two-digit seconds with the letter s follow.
1h31
